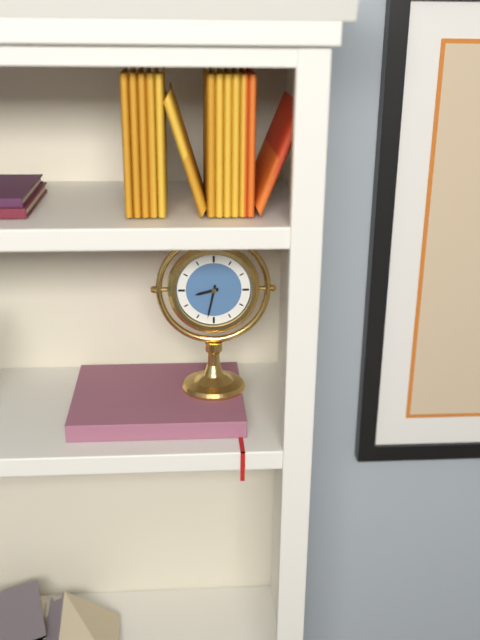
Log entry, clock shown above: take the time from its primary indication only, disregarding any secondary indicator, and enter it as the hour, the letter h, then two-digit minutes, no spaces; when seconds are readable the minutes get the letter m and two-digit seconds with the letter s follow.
8h32
